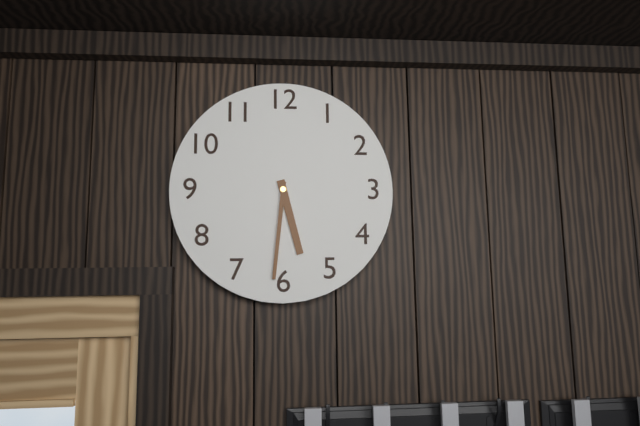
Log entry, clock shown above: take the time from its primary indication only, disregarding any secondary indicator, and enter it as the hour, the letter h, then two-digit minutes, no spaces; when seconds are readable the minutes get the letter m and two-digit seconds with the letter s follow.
5h31
